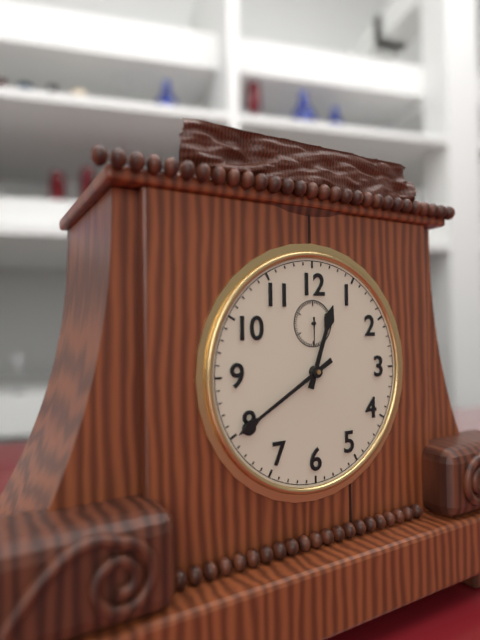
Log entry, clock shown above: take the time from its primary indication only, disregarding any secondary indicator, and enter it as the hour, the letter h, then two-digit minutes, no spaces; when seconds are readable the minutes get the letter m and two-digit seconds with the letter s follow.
12h40
